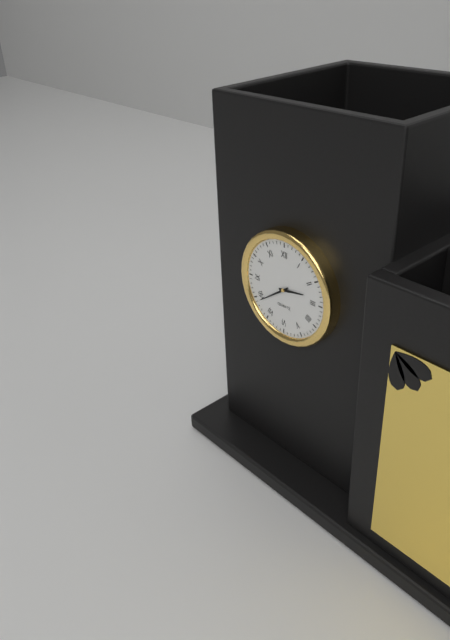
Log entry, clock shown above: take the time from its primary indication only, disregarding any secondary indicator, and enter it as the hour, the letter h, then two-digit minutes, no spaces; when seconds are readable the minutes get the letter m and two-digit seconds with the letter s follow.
2h39
